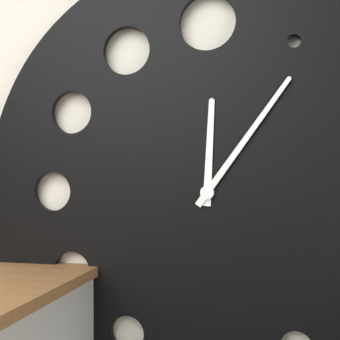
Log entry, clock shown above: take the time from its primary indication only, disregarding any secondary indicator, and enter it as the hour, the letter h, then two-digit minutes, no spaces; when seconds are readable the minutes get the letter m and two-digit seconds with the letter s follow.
12h06
